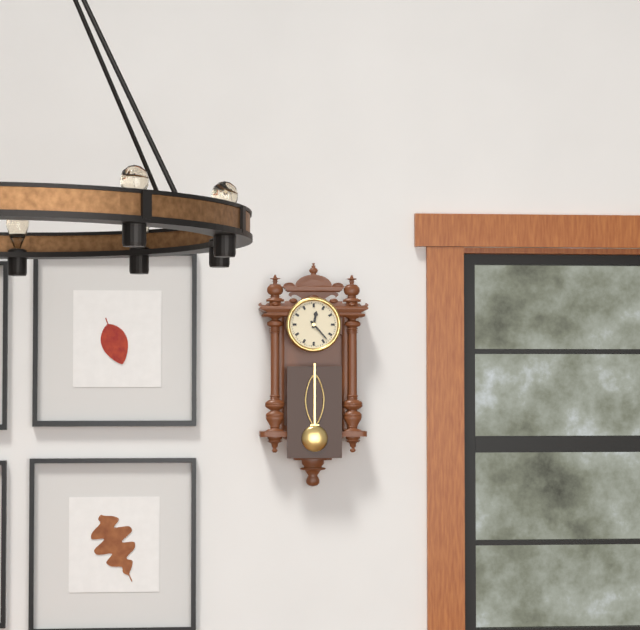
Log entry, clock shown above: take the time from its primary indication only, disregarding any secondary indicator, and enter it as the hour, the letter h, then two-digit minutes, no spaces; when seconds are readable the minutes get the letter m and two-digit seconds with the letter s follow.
12h23
